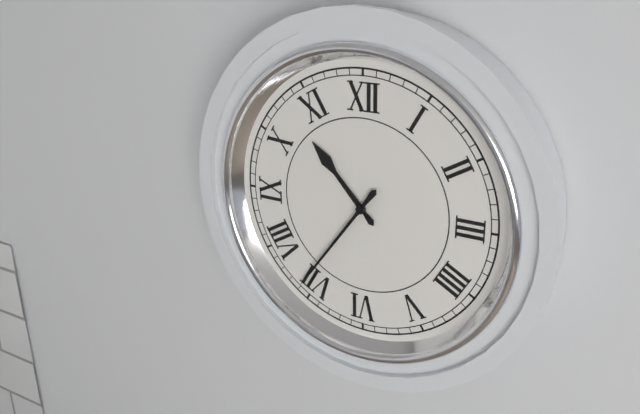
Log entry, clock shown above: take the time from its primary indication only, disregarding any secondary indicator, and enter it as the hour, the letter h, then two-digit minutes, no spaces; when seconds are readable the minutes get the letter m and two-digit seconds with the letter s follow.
10h36
